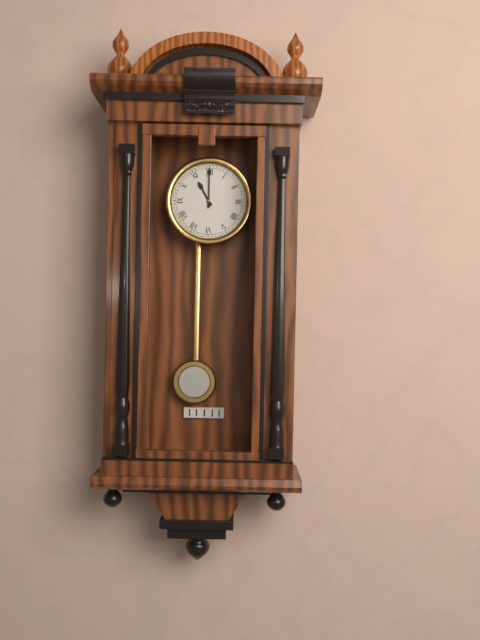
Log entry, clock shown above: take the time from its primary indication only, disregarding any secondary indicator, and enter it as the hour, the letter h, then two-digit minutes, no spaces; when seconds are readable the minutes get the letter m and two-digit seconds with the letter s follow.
11h00
